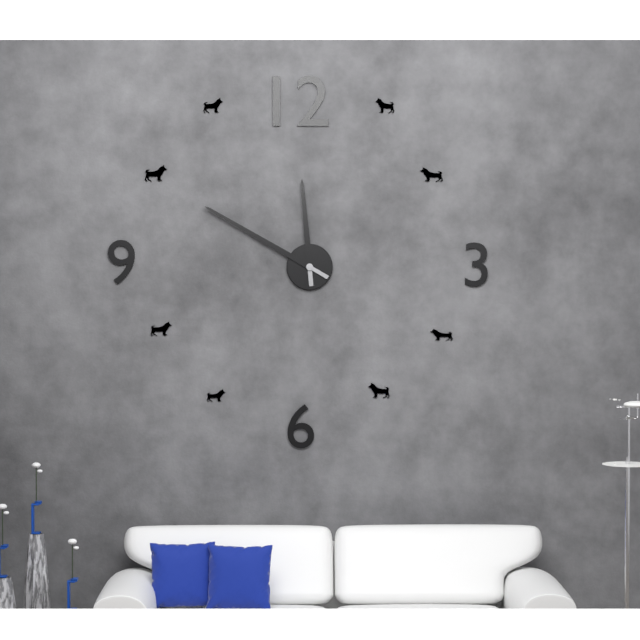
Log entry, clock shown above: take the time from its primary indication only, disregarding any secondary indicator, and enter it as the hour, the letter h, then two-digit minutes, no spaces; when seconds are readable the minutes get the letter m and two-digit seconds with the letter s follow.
11h50
